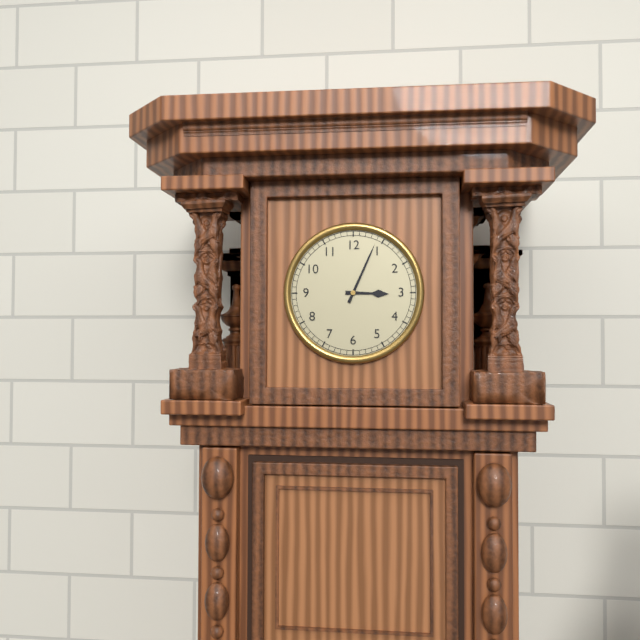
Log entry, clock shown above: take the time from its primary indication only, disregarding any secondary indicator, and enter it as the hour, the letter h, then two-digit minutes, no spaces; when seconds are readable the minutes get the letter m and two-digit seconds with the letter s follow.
3h04
